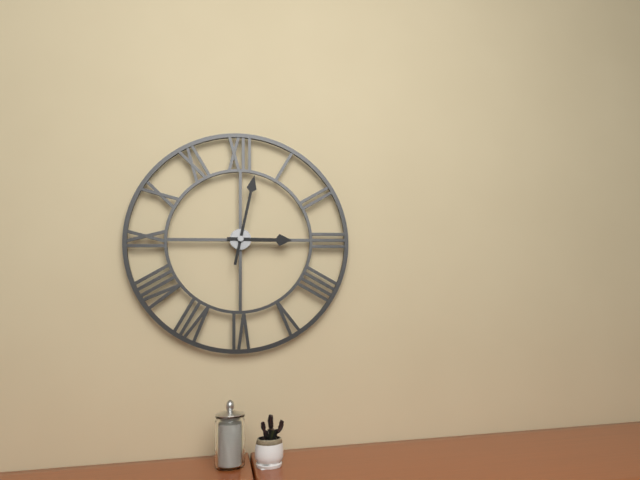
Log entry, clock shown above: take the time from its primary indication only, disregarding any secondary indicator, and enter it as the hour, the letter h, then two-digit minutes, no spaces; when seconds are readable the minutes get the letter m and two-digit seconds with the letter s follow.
3h02
